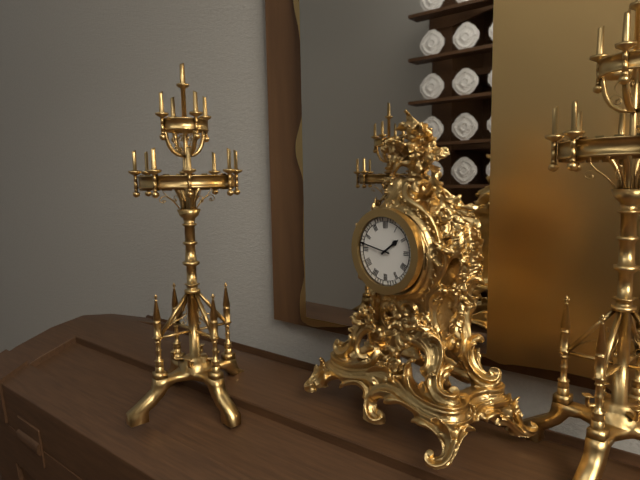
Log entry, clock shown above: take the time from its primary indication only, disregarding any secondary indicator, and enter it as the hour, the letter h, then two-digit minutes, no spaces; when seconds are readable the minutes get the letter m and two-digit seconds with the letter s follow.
1h47
